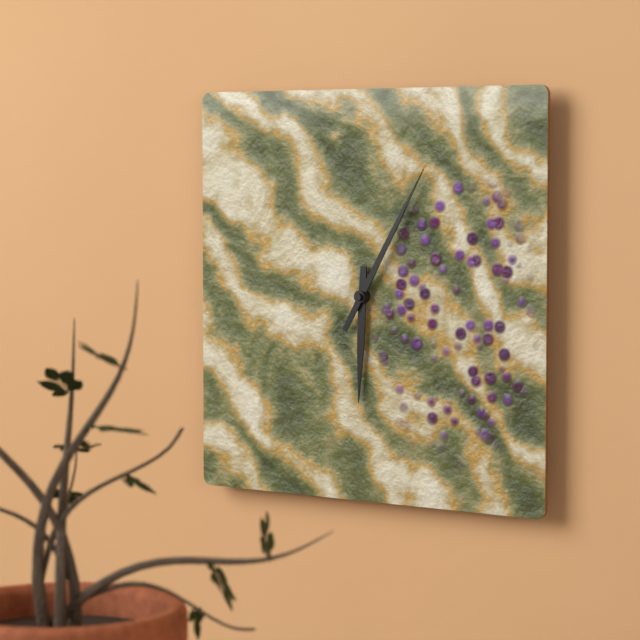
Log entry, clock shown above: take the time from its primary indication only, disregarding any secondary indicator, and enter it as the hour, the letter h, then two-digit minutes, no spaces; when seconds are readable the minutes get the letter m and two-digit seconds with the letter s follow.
6h05
